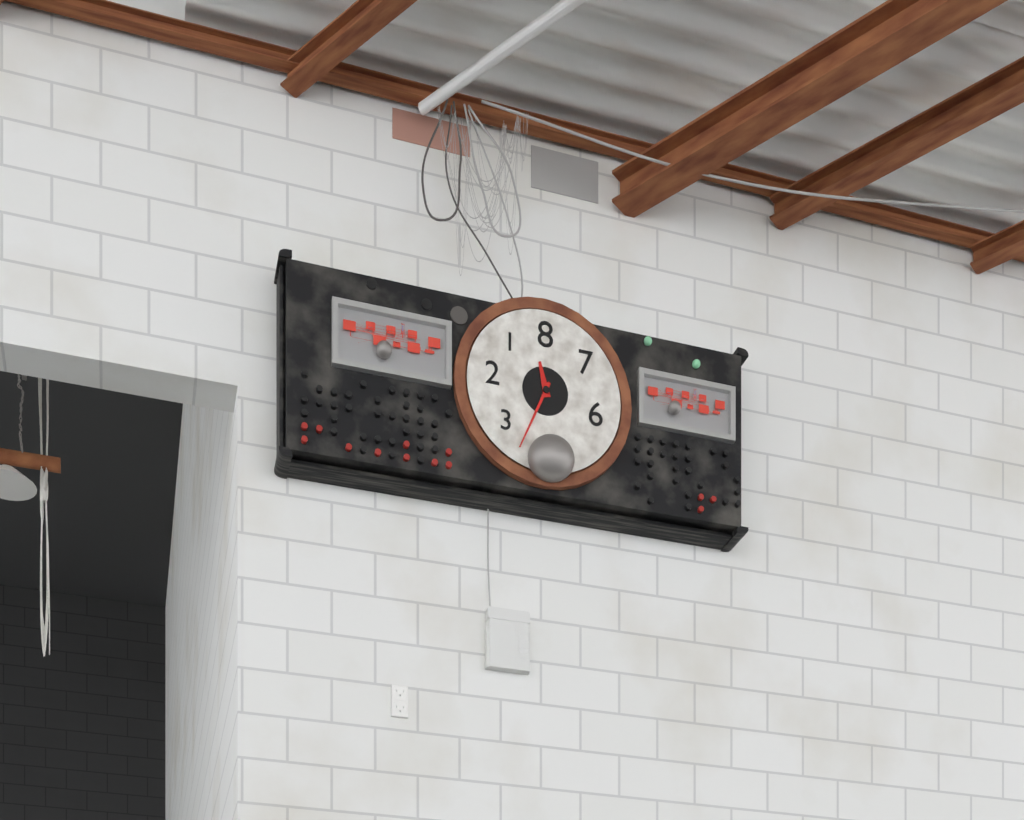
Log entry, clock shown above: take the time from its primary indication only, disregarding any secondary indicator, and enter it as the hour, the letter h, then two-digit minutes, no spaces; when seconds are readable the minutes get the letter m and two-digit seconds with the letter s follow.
11h34
